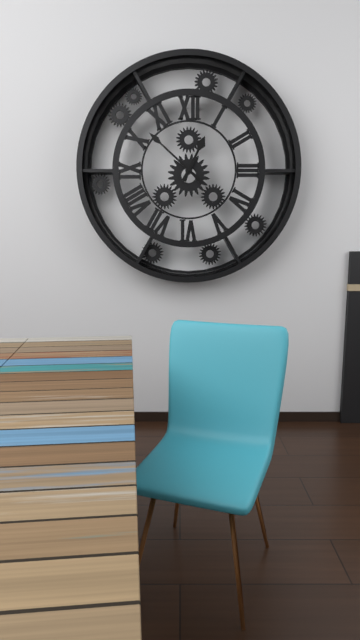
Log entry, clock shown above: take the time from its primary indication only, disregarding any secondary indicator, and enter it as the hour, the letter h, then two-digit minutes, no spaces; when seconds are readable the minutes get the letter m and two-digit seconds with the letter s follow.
12h52
